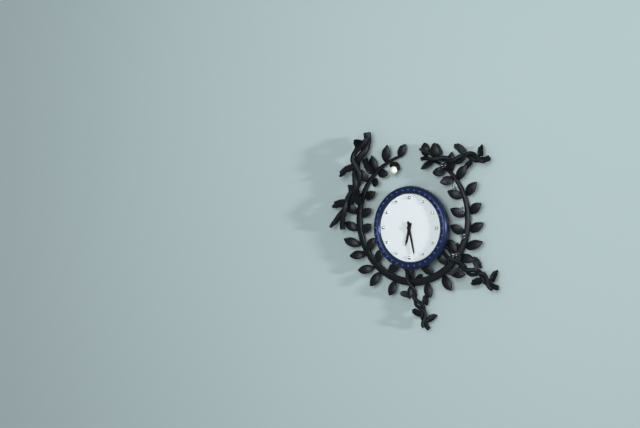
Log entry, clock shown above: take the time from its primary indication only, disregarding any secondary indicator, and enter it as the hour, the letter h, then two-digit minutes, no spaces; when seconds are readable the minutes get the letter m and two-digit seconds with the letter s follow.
6h28
